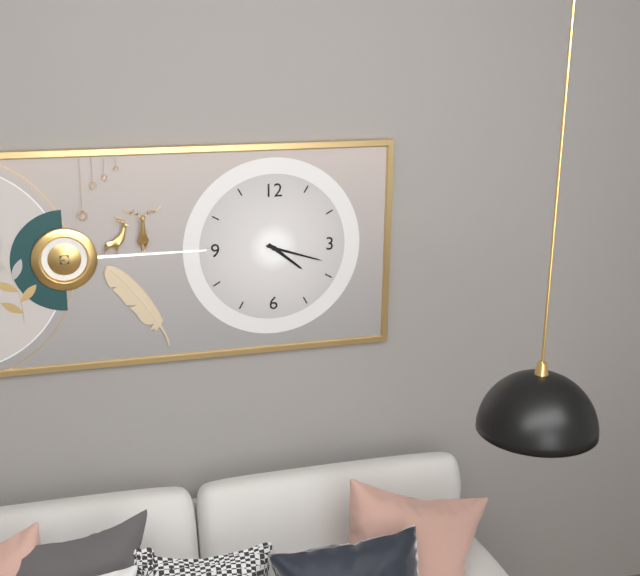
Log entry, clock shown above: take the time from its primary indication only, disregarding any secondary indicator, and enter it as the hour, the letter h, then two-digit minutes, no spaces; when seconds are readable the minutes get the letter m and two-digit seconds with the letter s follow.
4h18
